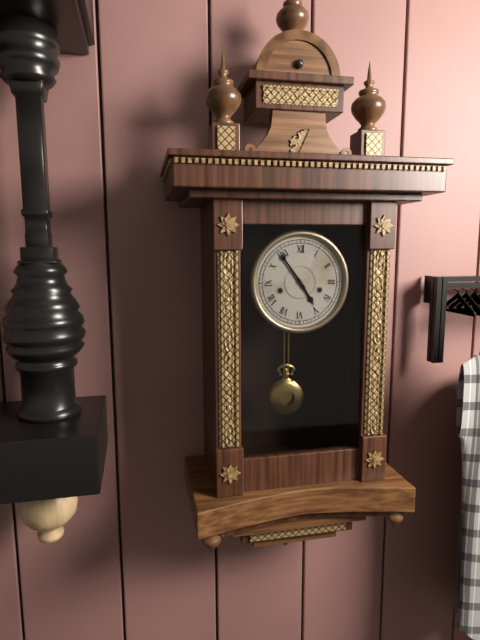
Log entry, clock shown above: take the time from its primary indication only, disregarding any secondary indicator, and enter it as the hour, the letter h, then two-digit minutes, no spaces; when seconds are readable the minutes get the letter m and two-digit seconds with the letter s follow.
4h54
